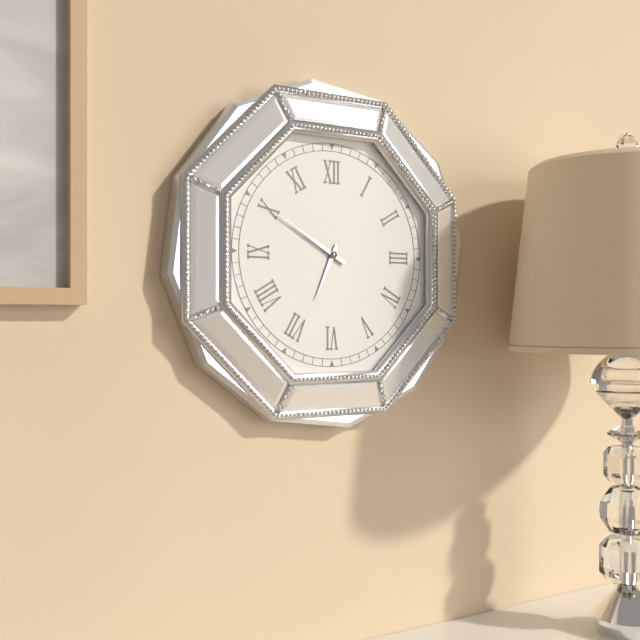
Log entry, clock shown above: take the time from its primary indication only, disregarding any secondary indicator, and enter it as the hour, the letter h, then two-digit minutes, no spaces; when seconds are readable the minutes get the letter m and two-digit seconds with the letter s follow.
6h50
